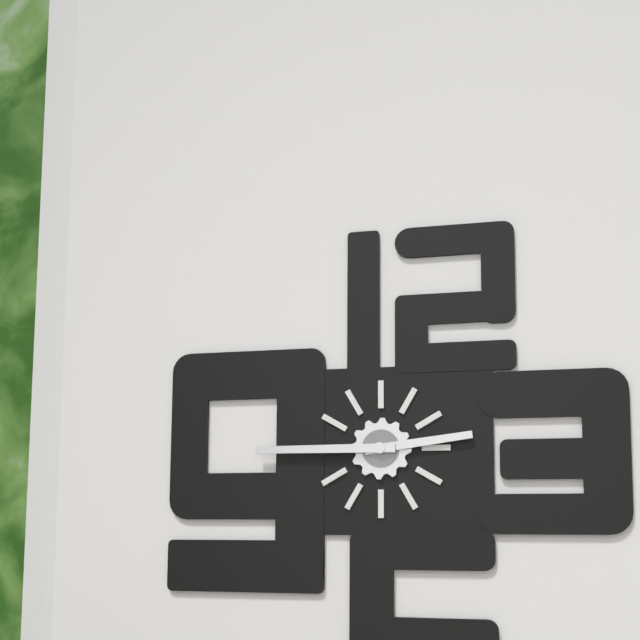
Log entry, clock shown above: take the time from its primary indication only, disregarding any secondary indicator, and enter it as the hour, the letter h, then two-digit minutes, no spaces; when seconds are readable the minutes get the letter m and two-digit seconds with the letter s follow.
2h45
